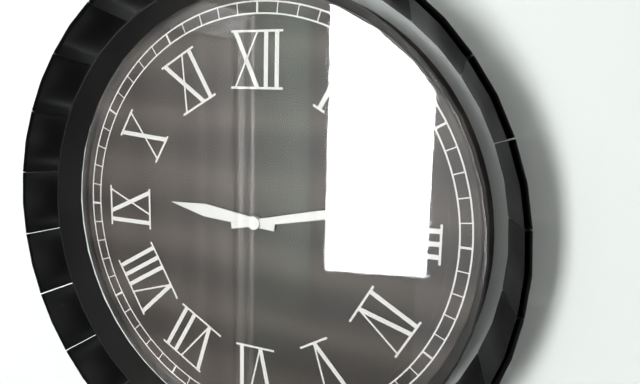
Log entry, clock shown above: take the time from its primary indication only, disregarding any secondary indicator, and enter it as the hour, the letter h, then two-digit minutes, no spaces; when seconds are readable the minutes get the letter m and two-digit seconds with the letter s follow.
9h13
